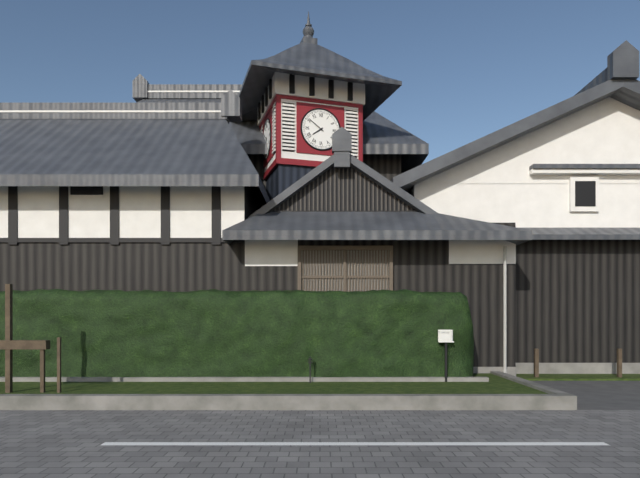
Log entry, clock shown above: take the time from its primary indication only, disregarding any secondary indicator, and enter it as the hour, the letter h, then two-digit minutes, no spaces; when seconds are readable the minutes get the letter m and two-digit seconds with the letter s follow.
7h51
